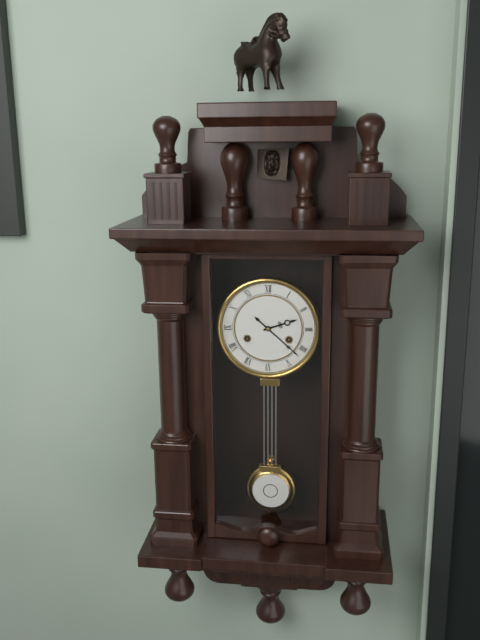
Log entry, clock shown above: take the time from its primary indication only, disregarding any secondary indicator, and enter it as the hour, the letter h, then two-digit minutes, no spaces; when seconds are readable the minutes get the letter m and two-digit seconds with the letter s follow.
2h22
